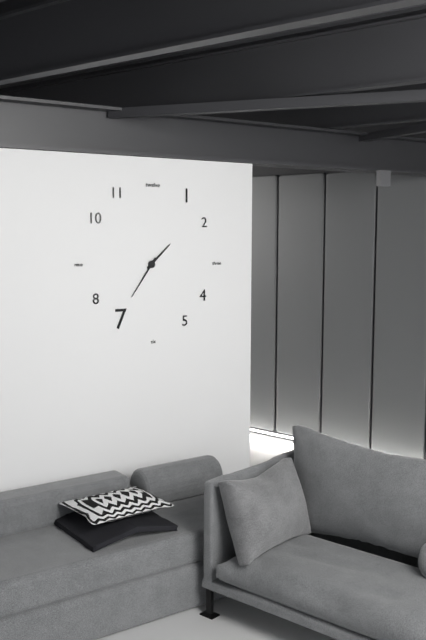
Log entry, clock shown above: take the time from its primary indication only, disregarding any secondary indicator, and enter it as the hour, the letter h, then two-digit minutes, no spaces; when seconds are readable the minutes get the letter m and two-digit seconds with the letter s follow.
1h36
